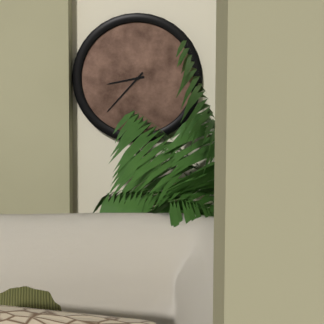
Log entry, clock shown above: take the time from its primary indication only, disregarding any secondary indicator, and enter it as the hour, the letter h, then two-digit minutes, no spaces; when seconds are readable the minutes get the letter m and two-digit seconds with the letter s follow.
8h37
